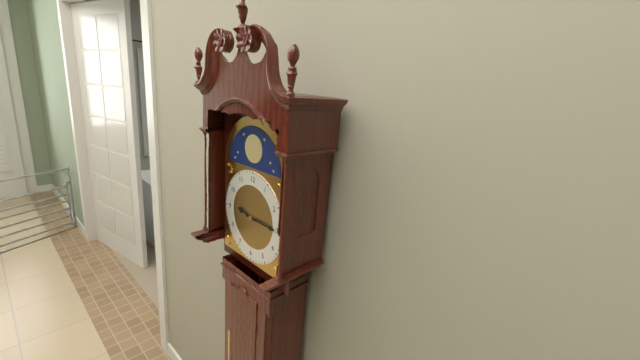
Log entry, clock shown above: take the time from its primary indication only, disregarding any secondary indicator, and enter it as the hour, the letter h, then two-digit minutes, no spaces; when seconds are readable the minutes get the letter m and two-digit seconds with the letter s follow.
9h15
